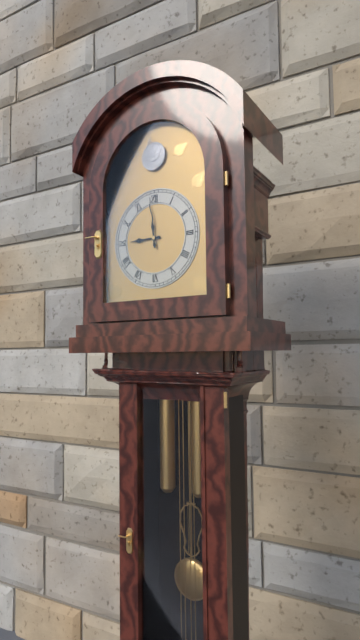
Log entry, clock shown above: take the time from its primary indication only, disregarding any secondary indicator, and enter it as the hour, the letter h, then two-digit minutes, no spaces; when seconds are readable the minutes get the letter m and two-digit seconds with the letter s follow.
8h59
